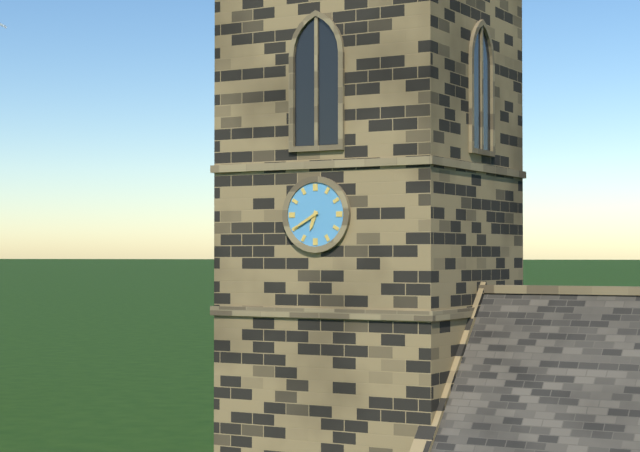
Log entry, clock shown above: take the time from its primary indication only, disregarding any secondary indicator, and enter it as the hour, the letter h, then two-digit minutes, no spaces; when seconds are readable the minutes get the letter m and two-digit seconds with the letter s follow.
6h40
